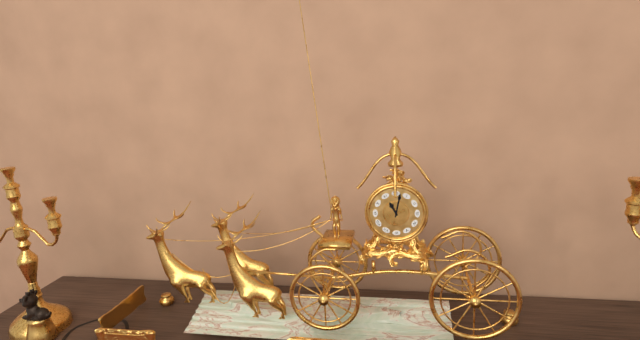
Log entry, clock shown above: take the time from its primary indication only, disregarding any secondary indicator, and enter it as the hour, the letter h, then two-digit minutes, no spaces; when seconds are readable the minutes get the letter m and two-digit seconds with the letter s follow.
11h02
